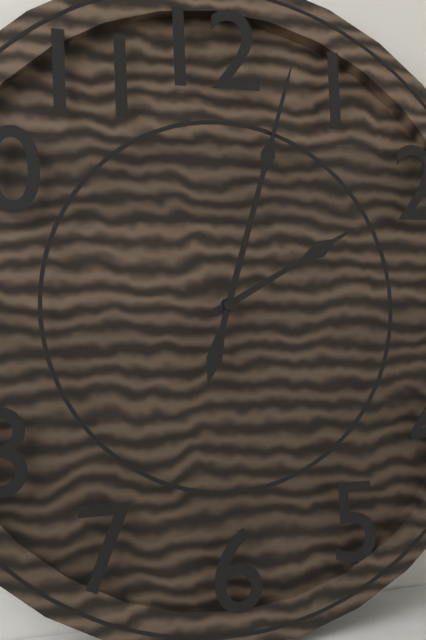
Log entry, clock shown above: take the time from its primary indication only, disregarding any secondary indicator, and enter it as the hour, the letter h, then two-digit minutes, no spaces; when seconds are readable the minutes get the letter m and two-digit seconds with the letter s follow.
2h03
